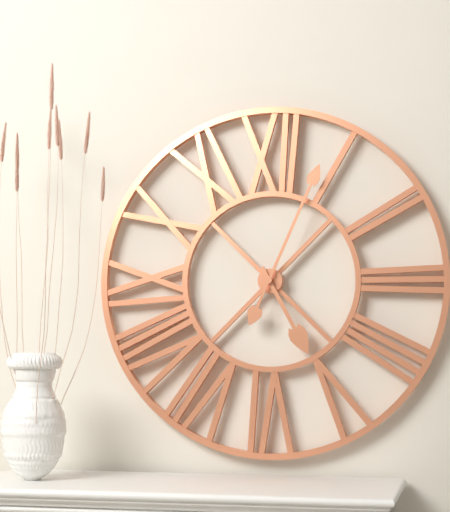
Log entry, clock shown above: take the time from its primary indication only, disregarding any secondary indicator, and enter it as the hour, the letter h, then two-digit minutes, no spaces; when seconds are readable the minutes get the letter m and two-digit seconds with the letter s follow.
5h04
